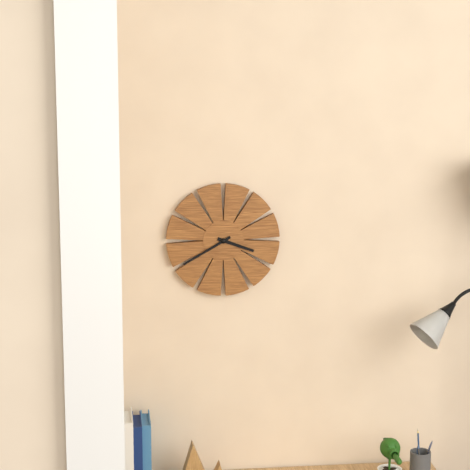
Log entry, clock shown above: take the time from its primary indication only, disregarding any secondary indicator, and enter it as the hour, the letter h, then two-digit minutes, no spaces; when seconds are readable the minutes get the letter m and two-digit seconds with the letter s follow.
3h40
